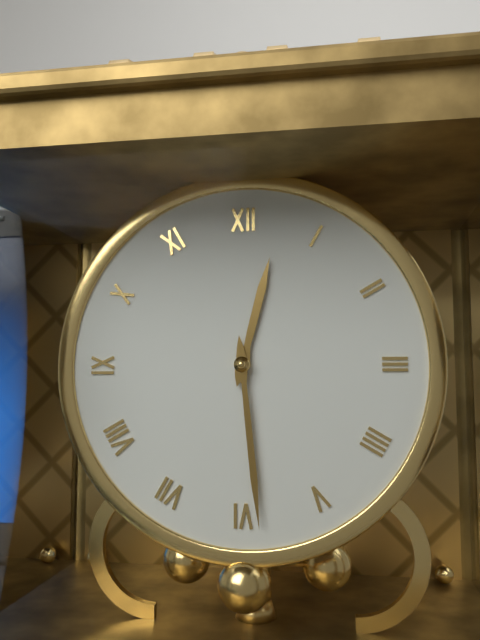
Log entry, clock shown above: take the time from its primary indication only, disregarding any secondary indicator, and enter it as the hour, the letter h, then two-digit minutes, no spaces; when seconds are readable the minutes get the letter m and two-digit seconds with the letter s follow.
12h29
